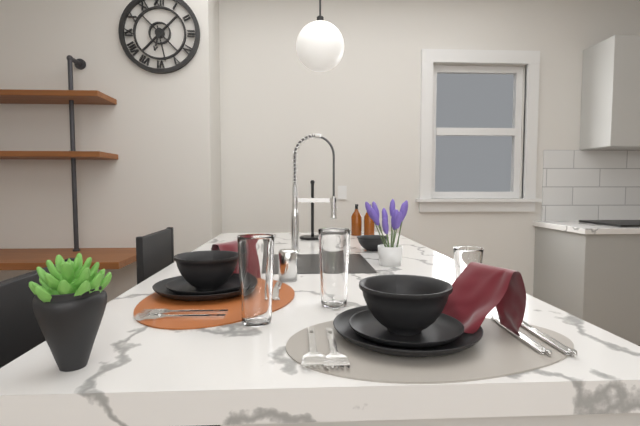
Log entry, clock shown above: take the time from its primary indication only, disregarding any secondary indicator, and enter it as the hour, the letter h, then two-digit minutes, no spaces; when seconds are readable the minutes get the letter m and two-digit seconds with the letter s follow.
6h28
